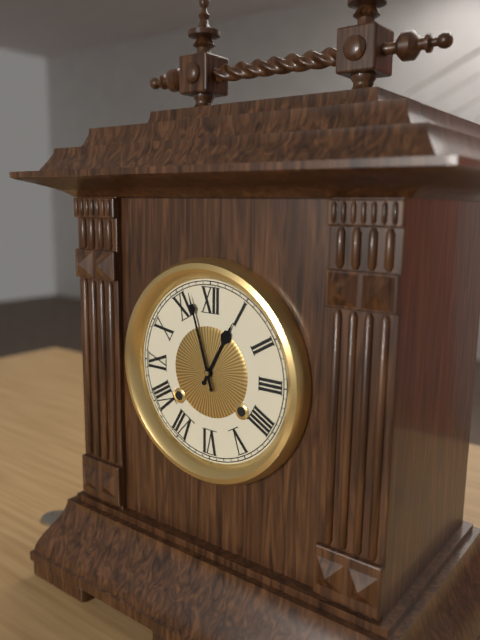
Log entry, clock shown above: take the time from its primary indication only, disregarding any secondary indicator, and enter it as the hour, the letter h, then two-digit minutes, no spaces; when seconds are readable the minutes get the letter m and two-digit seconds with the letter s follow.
12h57
